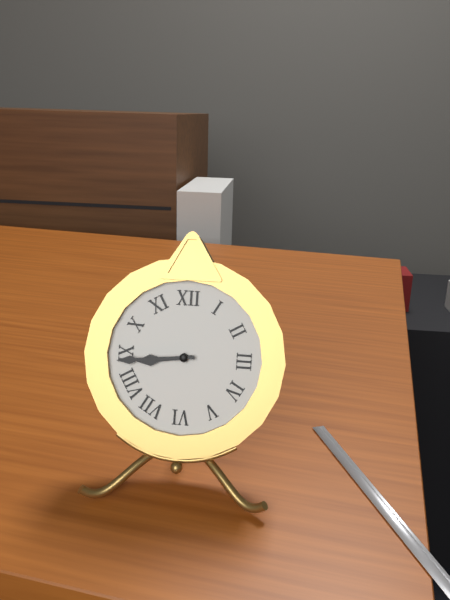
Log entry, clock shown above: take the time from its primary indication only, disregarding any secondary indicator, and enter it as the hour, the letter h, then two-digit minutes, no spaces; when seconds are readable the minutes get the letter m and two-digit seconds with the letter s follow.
8h44
